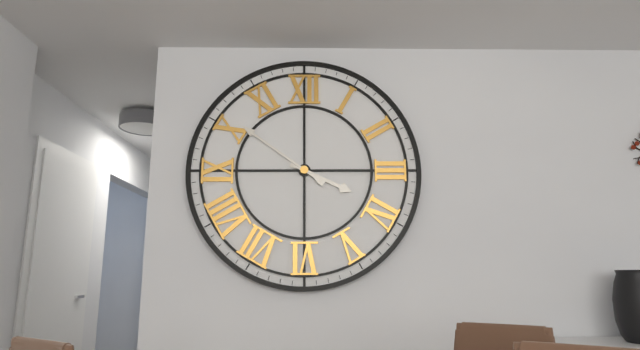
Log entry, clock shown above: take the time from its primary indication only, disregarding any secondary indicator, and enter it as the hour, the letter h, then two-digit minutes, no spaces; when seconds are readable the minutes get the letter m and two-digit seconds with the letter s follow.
3h51
